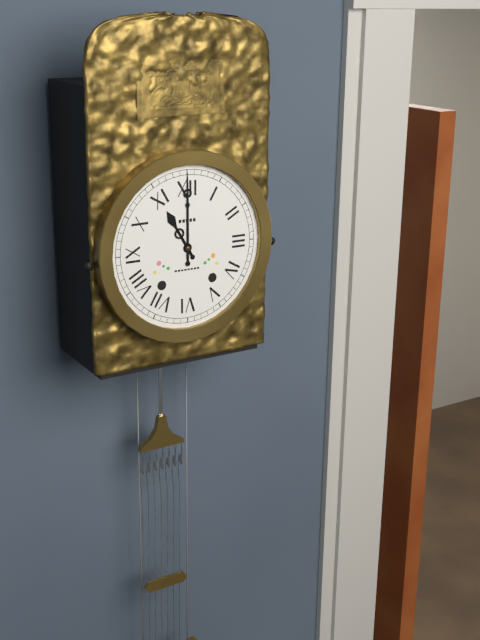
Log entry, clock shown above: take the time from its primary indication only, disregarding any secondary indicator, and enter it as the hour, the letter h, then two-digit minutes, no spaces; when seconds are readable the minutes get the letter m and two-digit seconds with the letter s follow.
11h00
